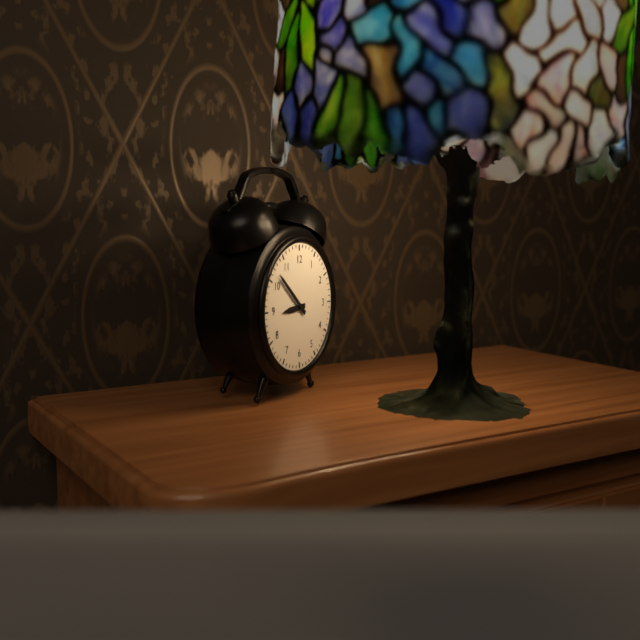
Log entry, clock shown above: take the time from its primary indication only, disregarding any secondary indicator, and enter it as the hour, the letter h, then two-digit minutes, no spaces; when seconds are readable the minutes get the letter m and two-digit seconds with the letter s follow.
8h52
